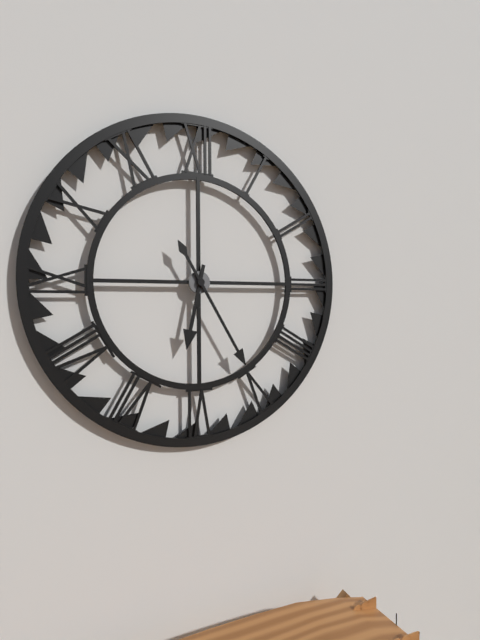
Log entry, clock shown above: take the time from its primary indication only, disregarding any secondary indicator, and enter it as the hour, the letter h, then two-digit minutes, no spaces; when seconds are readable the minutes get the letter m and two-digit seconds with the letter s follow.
6h25
